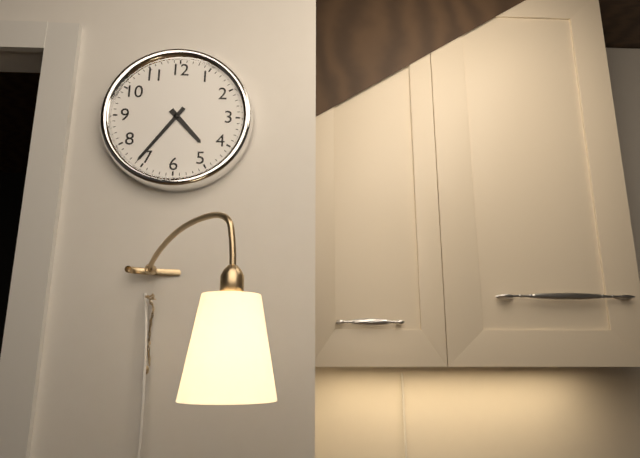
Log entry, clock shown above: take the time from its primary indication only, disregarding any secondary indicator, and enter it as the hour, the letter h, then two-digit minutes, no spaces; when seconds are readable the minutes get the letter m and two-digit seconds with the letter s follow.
4h36
